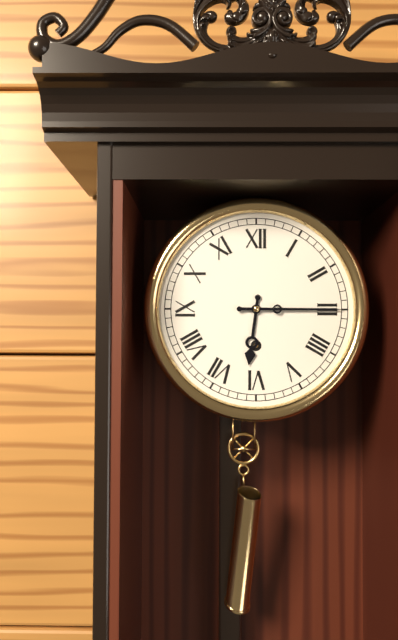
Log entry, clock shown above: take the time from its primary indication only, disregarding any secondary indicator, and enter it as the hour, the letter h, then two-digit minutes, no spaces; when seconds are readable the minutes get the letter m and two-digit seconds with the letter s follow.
6h15
